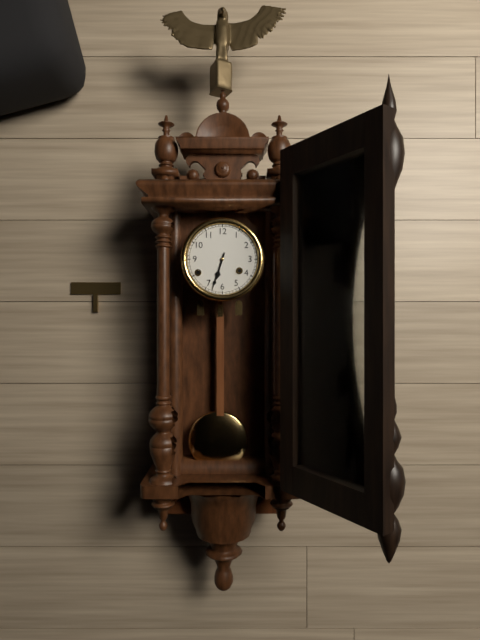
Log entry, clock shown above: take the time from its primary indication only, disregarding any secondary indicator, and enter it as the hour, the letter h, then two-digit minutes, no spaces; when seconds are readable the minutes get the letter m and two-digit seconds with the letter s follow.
6h33
